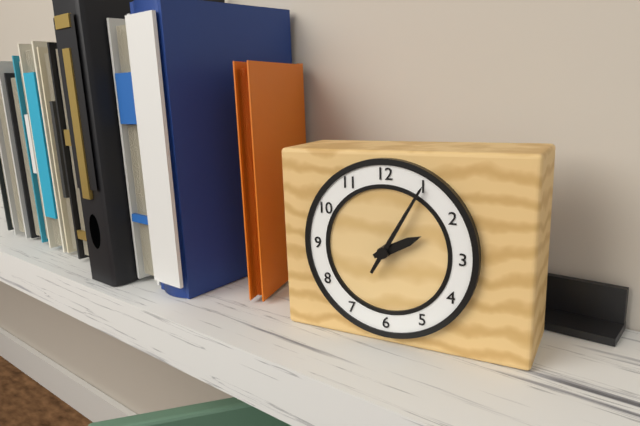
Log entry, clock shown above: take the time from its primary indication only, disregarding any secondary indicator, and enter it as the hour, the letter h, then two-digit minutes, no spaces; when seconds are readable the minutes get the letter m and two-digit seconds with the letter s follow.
2h05
